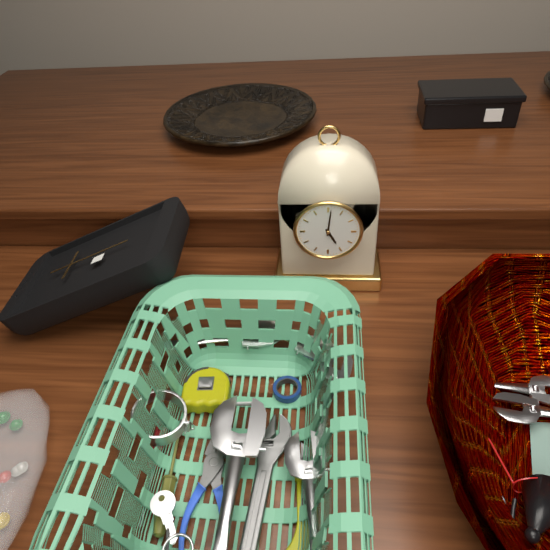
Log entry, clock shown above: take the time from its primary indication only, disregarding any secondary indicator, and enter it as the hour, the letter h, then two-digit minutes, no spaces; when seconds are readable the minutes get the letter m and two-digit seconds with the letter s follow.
5h01
